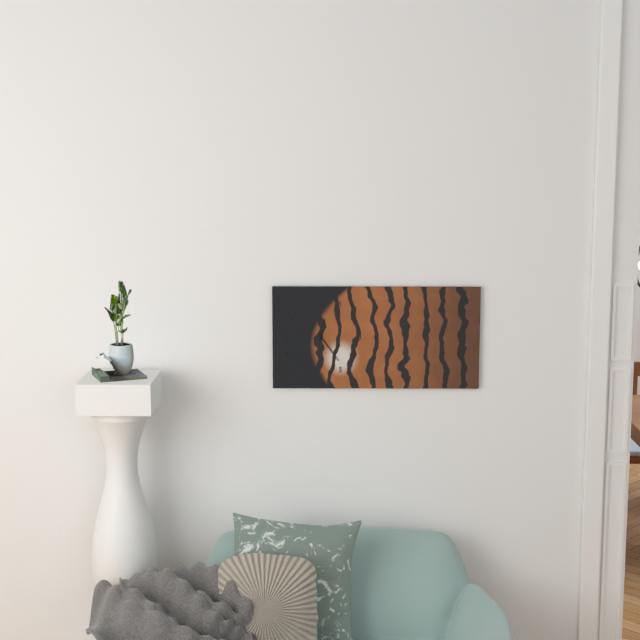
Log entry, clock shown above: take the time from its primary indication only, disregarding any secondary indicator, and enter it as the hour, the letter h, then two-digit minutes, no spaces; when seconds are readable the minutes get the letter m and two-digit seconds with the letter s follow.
12h24
